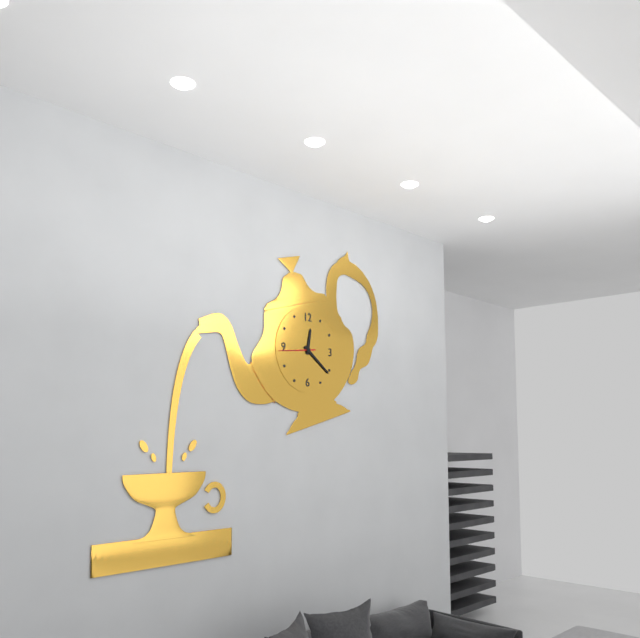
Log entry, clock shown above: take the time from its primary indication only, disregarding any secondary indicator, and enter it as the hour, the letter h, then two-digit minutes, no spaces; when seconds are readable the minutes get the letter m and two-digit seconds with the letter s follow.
12h21
